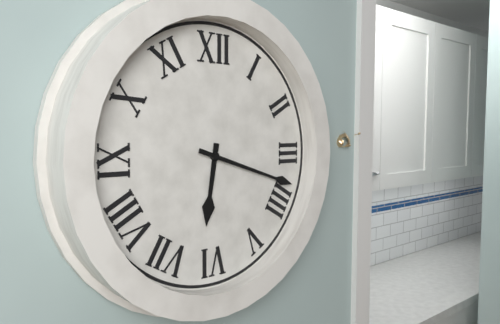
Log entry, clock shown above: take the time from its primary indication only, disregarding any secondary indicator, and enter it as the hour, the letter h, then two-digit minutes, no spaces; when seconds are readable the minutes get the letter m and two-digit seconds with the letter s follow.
6h18
